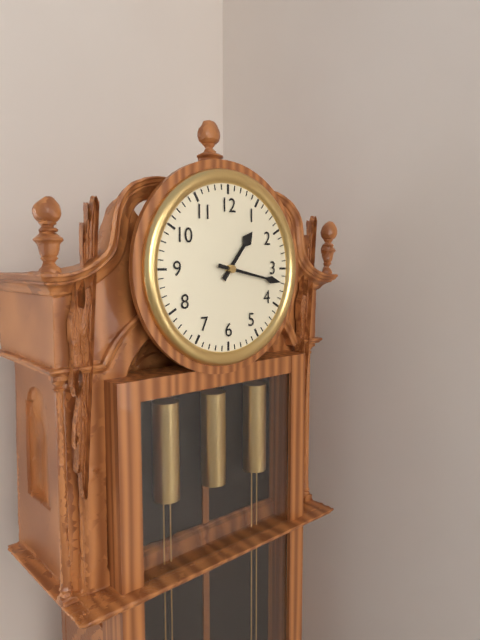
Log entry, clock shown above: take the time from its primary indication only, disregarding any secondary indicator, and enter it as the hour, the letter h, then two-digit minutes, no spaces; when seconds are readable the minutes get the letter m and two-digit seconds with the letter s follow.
1h17
